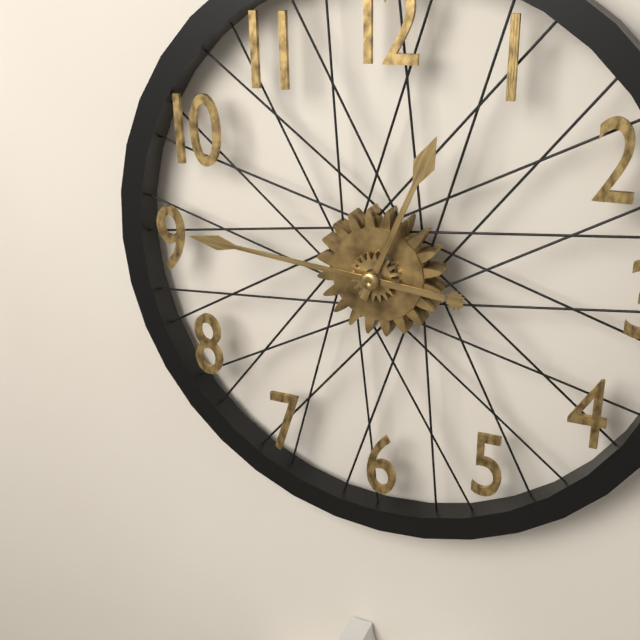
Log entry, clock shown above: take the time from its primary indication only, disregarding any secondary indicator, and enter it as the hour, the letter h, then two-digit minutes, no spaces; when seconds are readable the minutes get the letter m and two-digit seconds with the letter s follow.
12h46
